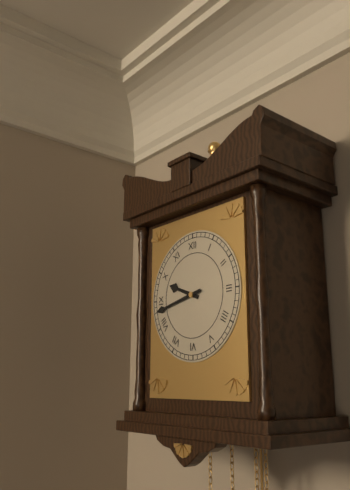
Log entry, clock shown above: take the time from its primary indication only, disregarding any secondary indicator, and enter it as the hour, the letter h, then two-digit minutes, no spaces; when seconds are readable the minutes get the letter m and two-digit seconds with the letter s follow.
9h43
